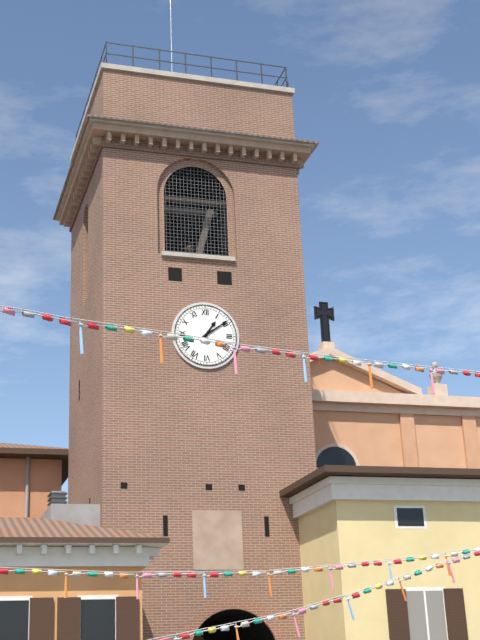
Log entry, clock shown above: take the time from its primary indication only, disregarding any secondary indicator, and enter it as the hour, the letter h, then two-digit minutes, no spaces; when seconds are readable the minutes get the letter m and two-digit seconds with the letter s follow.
1h09
